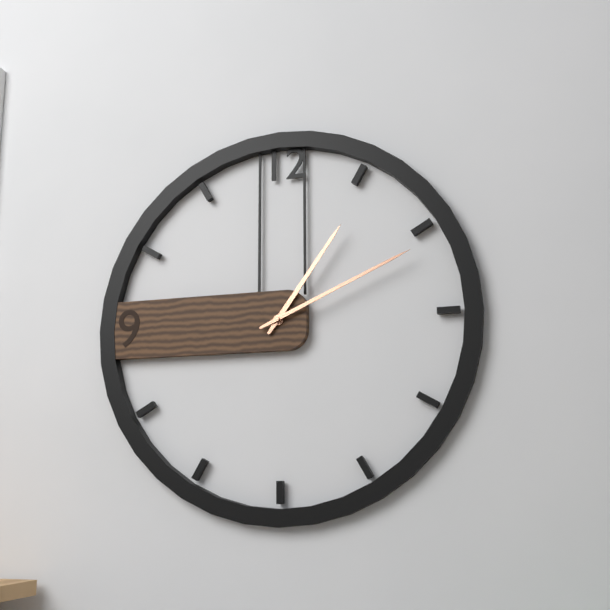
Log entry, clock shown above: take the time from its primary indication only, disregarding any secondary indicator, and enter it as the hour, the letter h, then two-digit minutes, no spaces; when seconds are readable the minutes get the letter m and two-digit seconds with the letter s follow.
1h11
